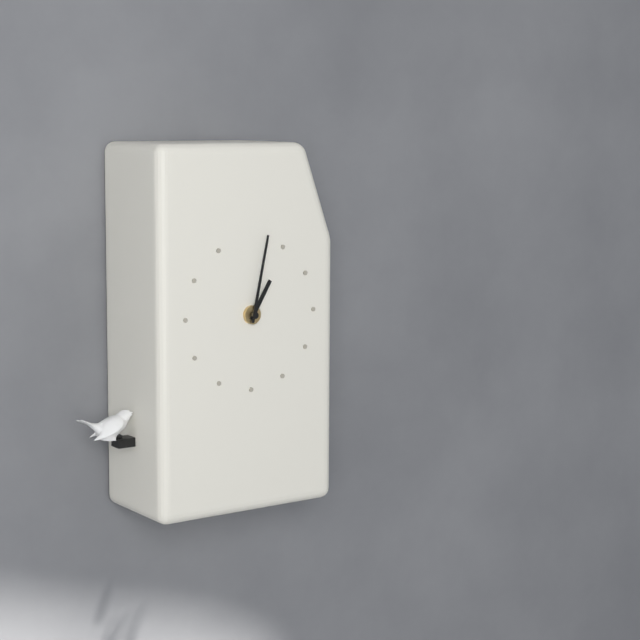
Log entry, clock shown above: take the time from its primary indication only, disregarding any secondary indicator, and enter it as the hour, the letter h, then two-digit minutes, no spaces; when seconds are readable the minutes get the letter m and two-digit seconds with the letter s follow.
1h02
